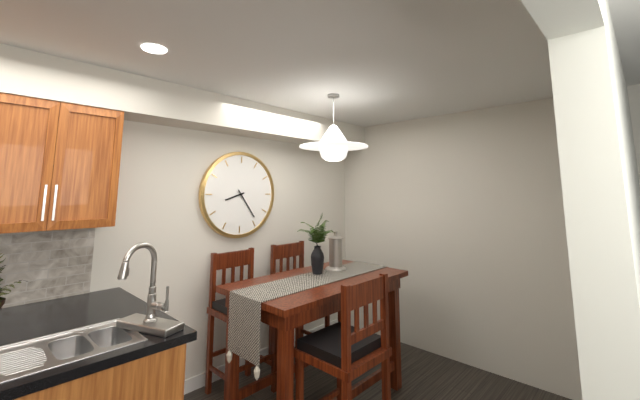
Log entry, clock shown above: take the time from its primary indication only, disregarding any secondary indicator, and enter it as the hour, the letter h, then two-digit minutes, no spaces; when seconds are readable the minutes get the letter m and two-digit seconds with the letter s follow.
8h24
